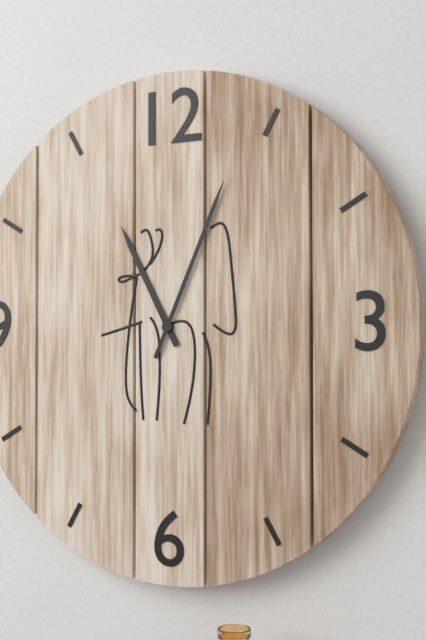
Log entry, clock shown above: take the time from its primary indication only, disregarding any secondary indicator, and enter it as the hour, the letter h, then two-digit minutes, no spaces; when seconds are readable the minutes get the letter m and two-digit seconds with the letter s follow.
11h04
